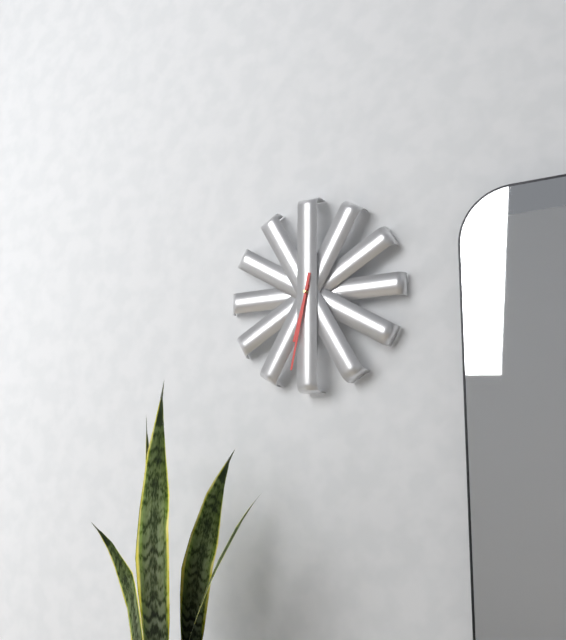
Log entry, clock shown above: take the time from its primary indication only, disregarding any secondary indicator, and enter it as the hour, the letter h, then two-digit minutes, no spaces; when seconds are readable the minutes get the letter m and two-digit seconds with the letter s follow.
6h32
